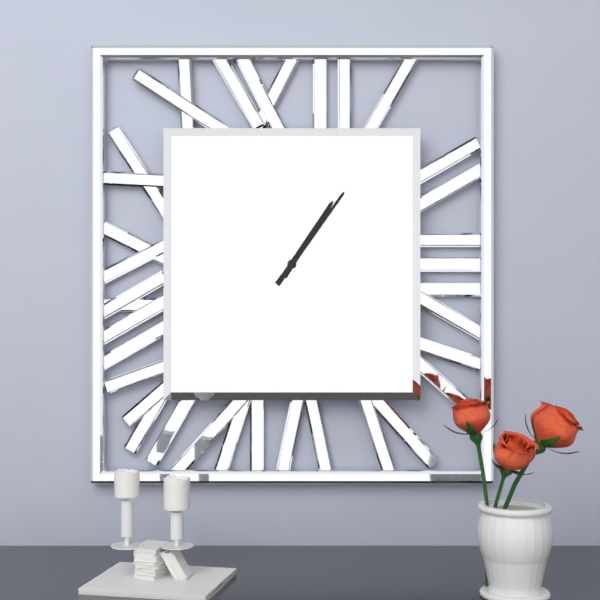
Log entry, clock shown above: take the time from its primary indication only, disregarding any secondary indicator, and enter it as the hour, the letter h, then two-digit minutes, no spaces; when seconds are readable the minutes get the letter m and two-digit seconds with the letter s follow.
1h06
